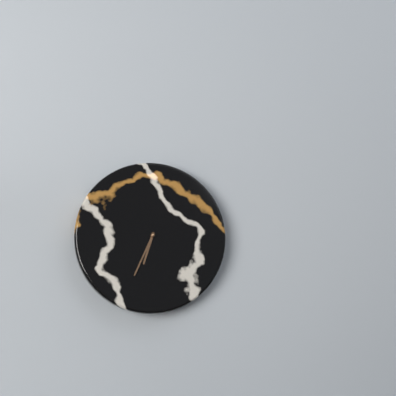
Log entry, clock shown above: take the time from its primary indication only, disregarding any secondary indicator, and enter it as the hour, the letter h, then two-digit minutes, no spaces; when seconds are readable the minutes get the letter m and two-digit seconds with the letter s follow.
6h34
